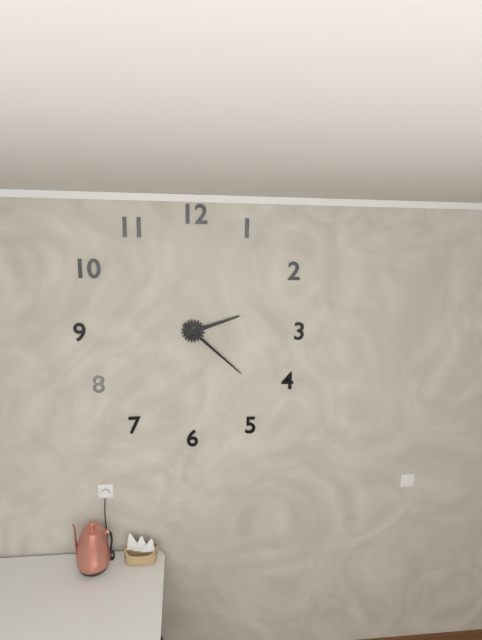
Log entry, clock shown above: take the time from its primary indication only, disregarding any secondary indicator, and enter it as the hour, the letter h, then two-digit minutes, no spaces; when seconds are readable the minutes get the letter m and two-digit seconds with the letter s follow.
2h22
